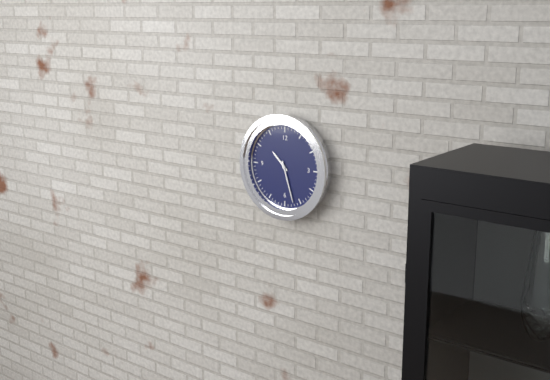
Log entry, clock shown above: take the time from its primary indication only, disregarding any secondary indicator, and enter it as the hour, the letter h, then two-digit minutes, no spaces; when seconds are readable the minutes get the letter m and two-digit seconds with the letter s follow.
10h27
